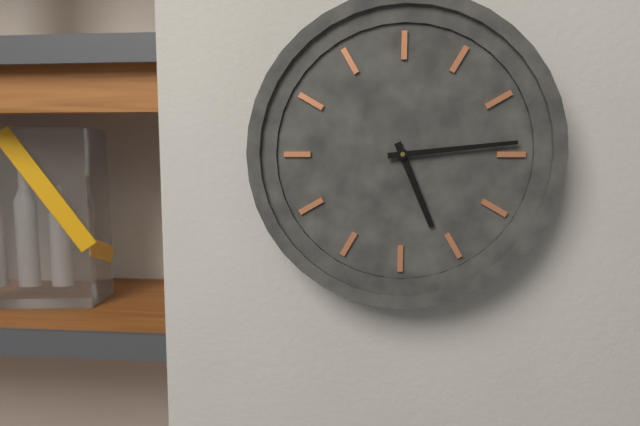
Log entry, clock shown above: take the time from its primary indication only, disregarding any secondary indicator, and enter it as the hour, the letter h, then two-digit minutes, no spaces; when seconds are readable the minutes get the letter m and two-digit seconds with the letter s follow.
5h14
